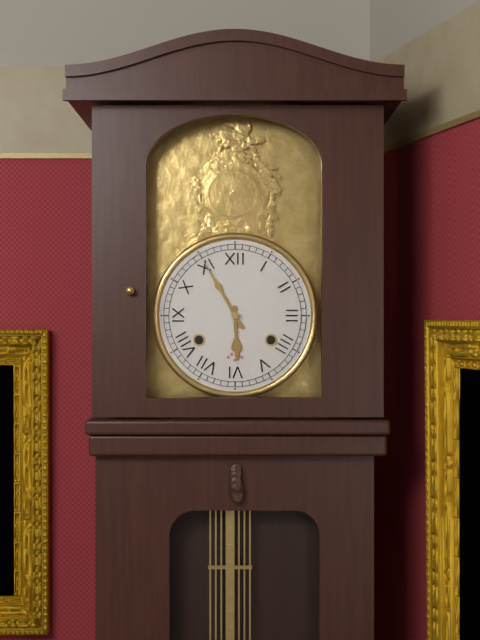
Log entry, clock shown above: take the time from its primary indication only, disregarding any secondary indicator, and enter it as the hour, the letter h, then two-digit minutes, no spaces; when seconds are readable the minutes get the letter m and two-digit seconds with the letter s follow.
5h55
